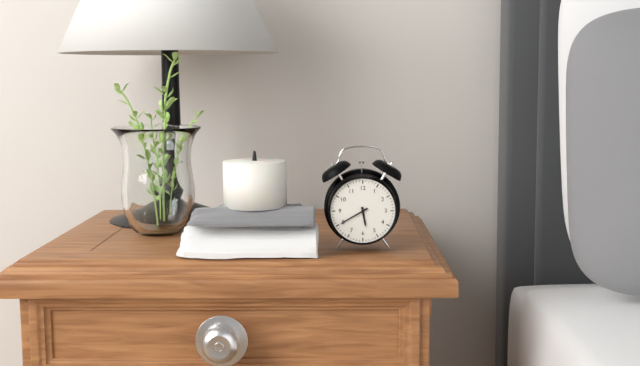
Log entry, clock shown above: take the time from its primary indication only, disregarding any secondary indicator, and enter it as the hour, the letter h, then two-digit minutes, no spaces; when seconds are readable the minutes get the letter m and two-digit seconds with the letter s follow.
5h40
